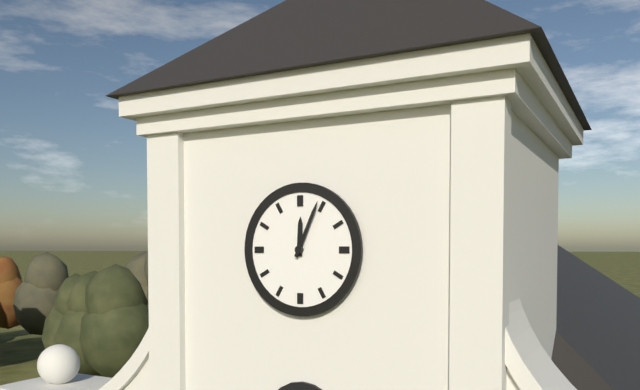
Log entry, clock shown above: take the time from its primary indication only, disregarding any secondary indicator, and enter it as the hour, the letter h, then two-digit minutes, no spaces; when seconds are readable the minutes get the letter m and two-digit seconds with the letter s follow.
12h04
